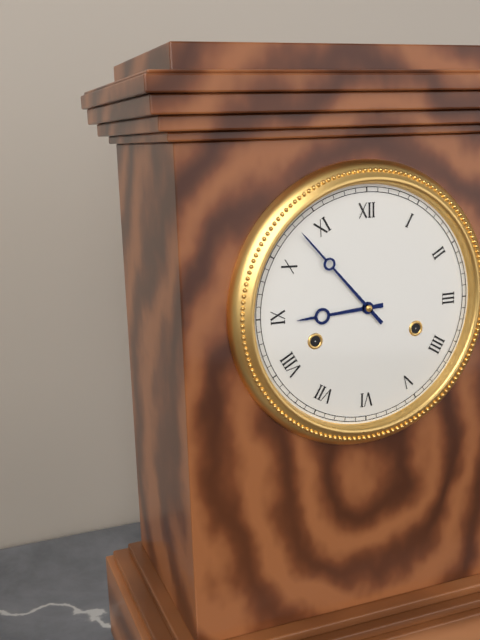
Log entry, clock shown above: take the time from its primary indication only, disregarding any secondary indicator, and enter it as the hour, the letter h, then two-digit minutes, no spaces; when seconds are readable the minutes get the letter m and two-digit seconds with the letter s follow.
8h53
